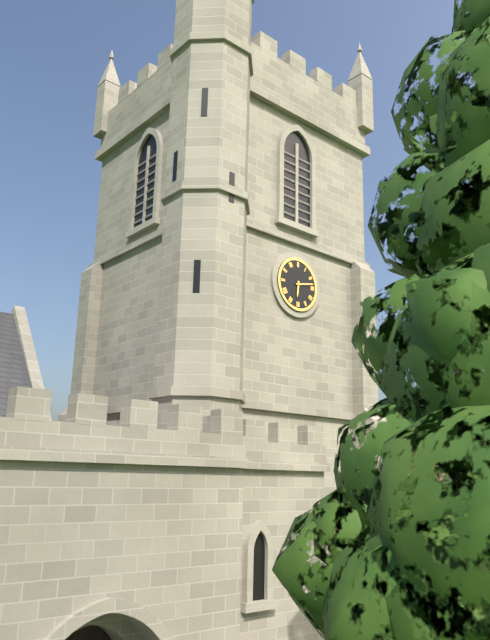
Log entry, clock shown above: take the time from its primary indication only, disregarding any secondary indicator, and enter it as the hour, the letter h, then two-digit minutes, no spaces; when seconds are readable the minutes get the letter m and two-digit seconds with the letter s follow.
6h13
